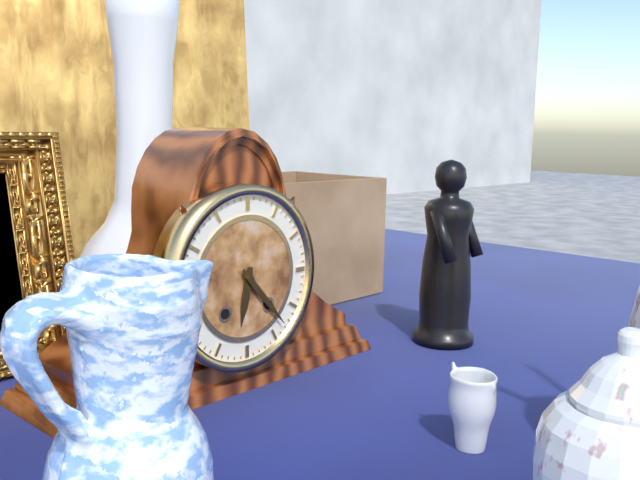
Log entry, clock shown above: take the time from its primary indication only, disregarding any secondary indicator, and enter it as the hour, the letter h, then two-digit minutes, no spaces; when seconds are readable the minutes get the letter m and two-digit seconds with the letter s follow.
6h23
